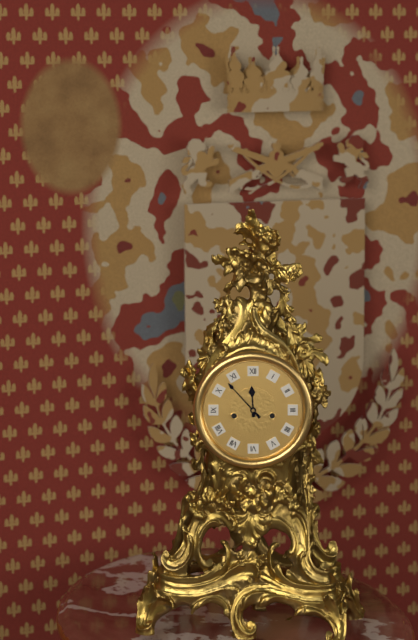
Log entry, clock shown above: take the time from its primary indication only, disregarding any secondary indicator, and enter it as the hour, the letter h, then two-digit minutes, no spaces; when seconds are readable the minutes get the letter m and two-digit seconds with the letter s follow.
11h53
